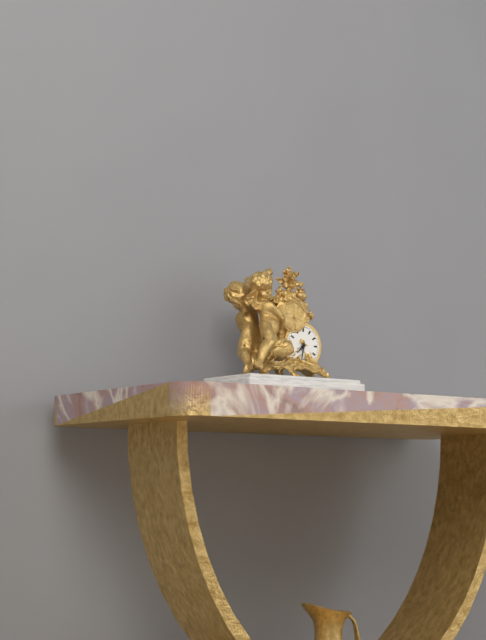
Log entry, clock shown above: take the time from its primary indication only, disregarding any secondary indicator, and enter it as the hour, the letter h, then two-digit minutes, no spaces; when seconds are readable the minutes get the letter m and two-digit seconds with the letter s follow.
7h32
